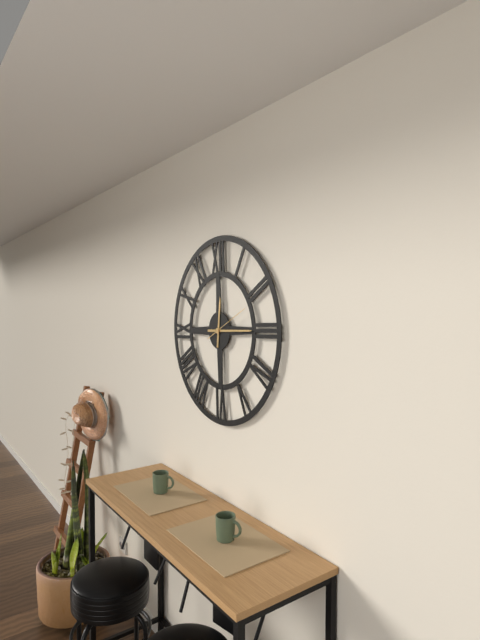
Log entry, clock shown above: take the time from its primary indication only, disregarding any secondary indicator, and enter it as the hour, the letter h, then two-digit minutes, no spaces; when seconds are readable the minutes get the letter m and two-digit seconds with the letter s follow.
12h15
